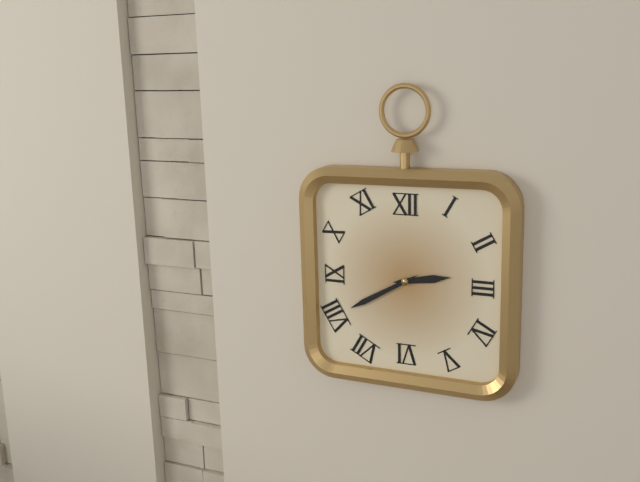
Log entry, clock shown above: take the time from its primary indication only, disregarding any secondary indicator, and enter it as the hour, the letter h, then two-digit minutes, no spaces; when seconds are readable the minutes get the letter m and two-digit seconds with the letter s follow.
2h40
